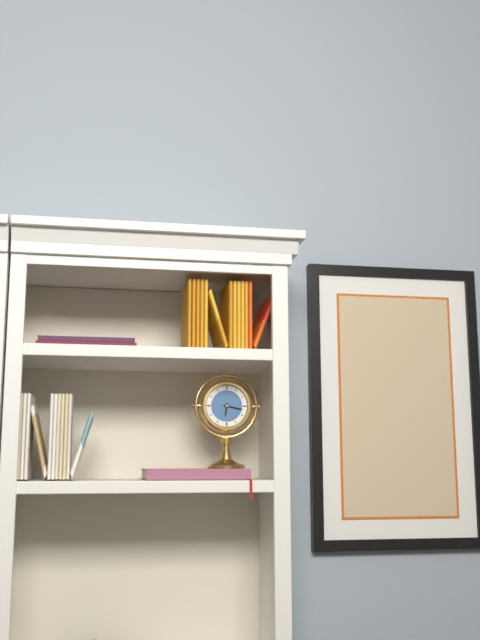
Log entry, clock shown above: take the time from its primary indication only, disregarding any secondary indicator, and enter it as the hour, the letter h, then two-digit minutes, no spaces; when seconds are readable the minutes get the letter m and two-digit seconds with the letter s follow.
6h17
